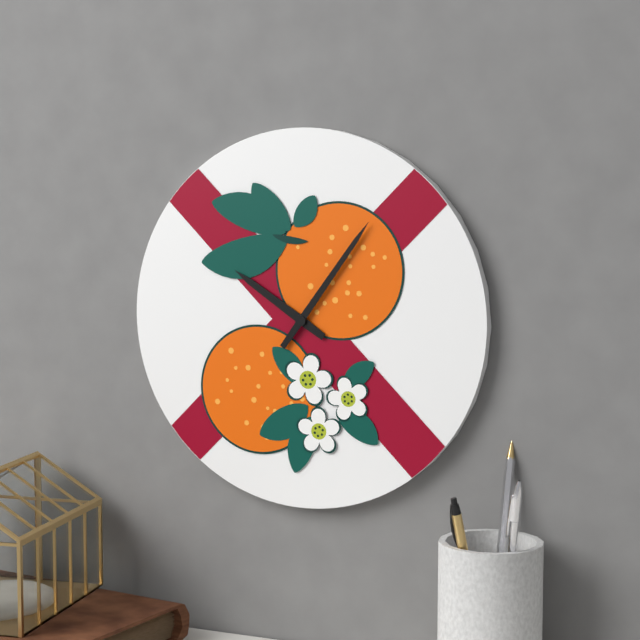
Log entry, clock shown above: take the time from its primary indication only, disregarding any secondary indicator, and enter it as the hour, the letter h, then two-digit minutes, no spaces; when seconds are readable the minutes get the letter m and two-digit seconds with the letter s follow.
10h06
